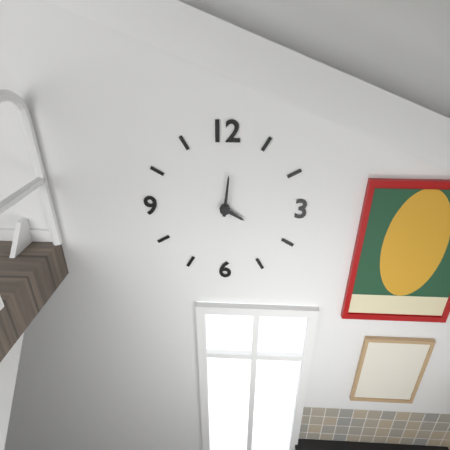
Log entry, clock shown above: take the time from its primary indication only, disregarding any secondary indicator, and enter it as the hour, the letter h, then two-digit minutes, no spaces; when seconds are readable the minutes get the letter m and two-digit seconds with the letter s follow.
4h01
